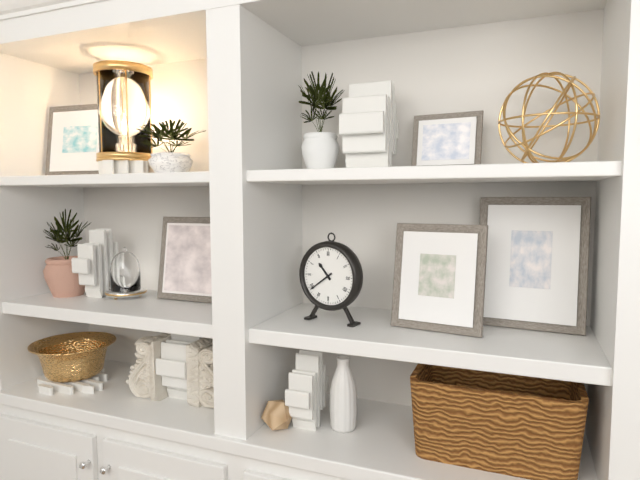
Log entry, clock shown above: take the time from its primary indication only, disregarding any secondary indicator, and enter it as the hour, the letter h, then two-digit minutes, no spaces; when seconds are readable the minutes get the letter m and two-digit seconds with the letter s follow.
10h39
